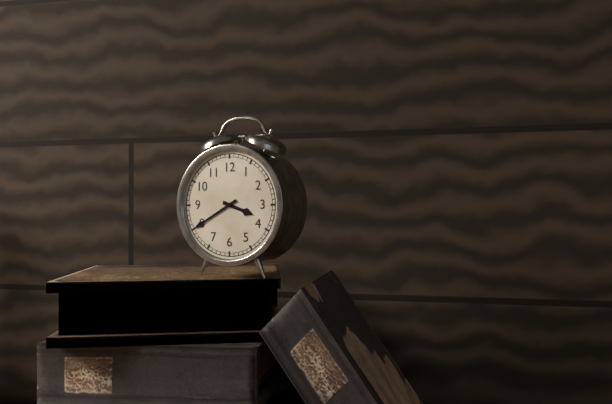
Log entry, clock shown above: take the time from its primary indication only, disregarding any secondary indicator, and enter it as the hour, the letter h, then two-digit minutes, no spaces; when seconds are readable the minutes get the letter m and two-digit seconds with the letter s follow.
3h40
